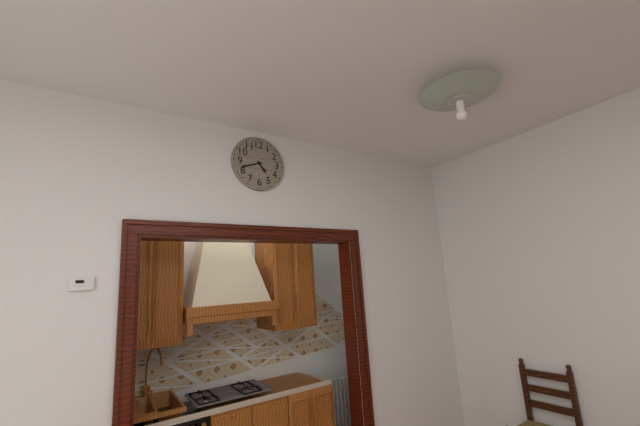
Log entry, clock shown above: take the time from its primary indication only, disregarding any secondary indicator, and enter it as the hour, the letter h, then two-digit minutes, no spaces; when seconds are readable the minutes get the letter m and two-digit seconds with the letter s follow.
4h42
